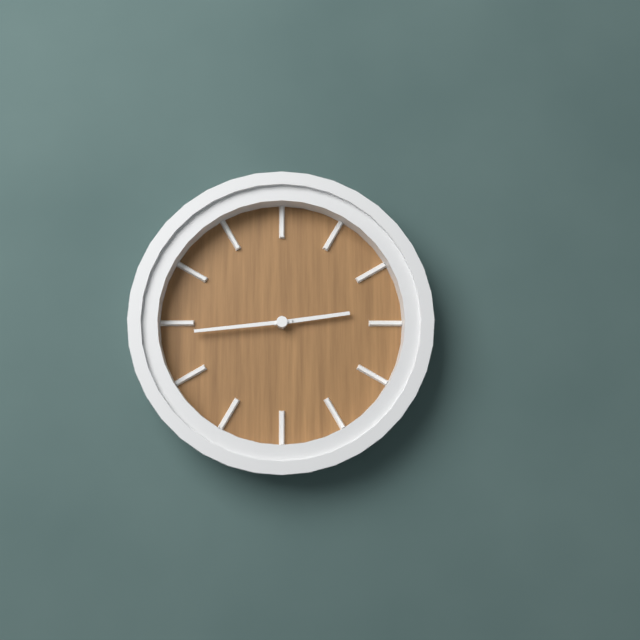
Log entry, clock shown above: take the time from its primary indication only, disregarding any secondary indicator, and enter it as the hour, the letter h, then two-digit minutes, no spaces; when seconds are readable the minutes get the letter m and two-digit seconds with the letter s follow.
2h44
